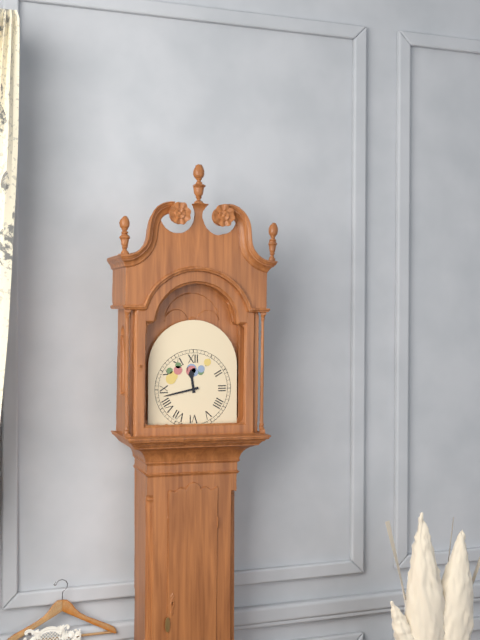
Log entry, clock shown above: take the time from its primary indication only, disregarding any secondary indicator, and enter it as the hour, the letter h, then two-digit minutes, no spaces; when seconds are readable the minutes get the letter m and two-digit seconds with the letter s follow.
11h43
